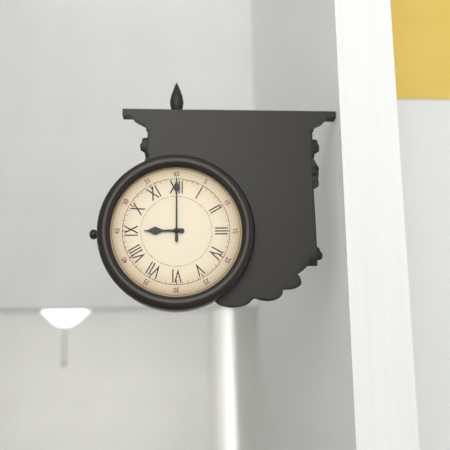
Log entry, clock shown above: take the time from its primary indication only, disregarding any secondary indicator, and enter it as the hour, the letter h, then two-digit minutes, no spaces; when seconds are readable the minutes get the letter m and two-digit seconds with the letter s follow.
9h00
